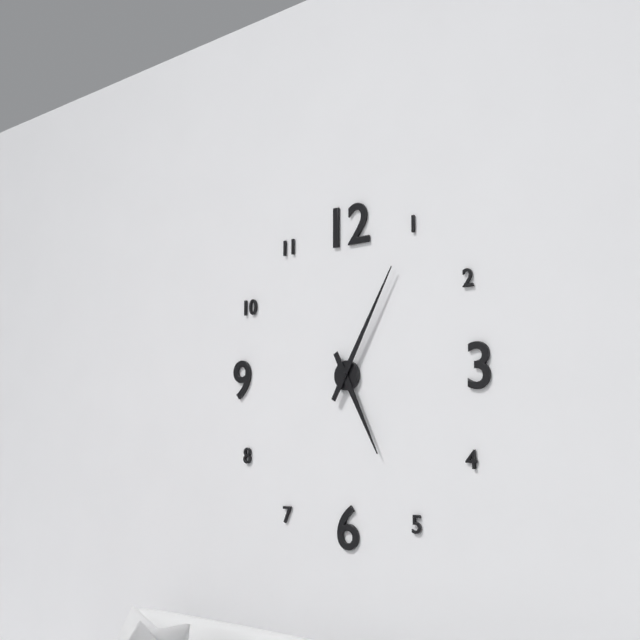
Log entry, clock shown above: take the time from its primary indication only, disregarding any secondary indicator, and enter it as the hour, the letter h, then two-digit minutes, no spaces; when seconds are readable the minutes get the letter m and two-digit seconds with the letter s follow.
5h05
